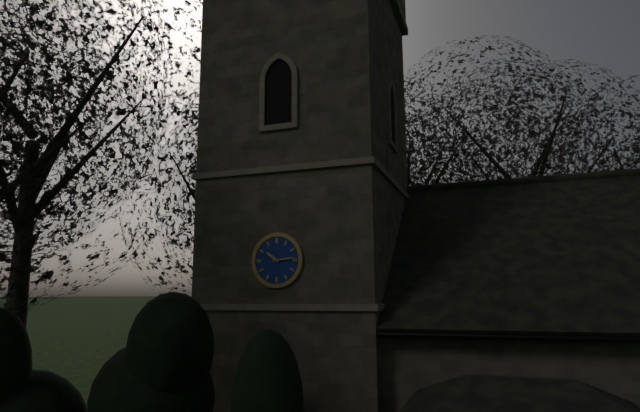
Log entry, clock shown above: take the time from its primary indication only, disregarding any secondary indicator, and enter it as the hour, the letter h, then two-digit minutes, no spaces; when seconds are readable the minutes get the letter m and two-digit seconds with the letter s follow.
10h14
